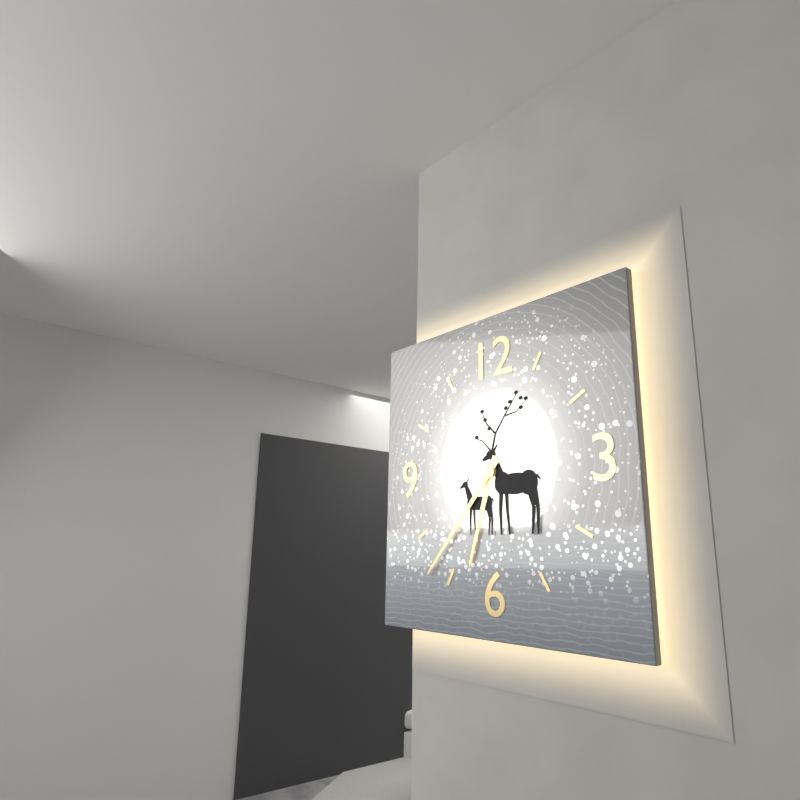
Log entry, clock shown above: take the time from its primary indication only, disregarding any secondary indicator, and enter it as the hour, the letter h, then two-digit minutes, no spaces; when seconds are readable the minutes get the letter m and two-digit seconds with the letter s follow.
6h37
